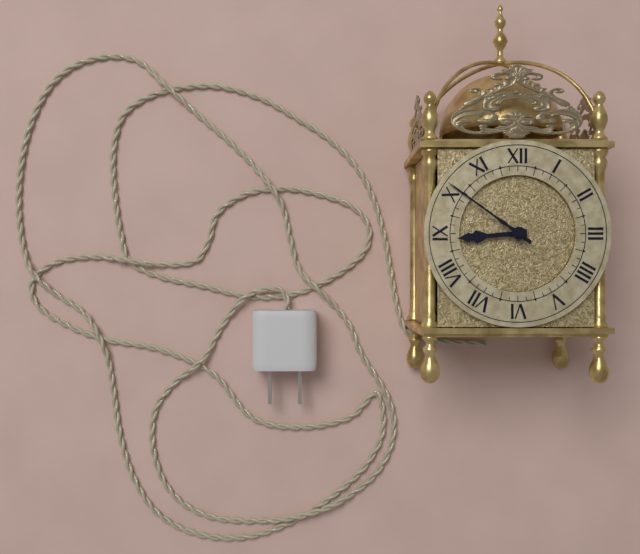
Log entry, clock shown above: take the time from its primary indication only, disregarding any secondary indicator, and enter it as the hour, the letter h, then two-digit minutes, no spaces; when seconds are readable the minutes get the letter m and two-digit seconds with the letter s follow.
8h51
